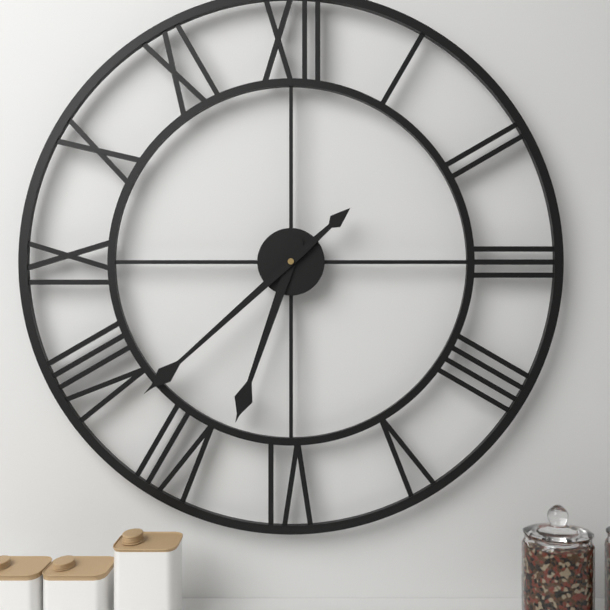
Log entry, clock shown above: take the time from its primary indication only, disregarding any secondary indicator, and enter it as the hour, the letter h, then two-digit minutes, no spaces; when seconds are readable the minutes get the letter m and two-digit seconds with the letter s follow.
6h38
